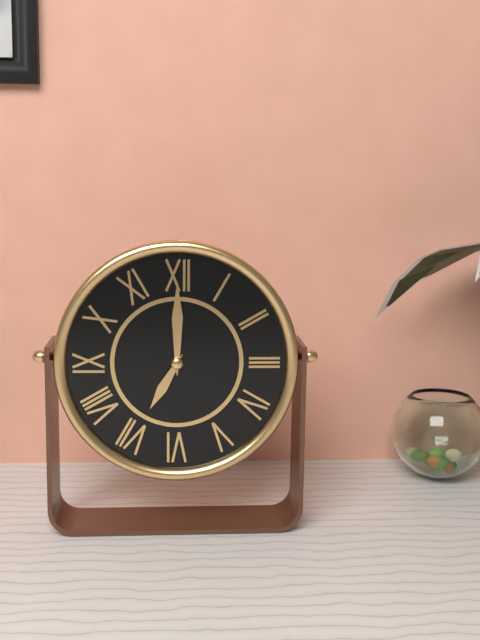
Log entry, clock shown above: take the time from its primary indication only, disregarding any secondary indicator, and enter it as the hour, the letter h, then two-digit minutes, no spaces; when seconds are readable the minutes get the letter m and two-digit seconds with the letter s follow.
7h00
